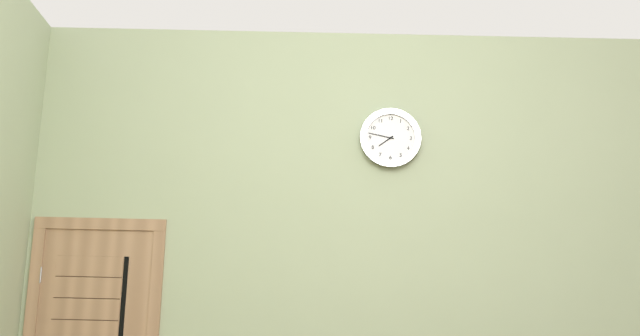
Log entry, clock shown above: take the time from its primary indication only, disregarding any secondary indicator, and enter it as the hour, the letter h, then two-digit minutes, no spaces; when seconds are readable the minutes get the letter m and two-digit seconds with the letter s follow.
7h47
